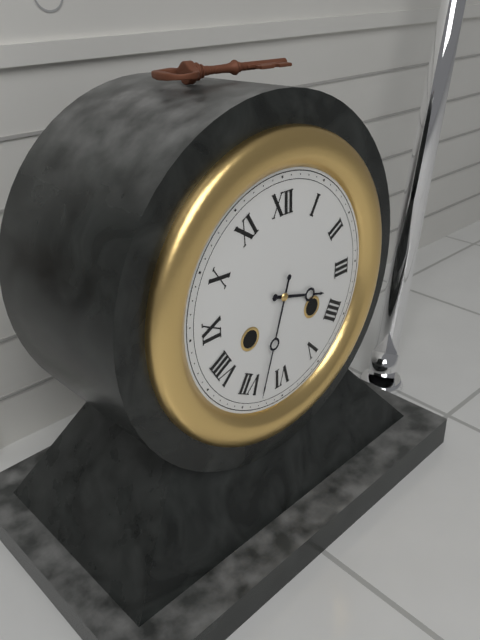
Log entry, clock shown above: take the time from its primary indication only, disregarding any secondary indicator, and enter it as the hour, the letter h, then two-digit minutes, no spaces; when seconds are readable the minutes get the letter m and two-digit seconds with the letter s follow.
3h33
